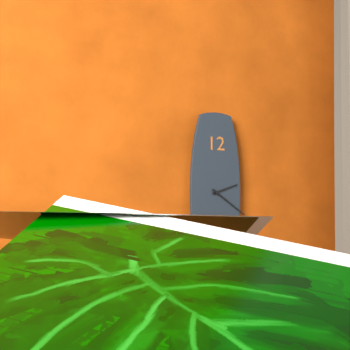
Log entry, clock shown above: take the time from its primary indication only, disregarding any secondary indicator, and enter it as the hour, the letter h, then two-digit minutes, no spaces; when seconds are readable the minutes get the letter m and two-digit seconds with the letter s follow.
2h21
